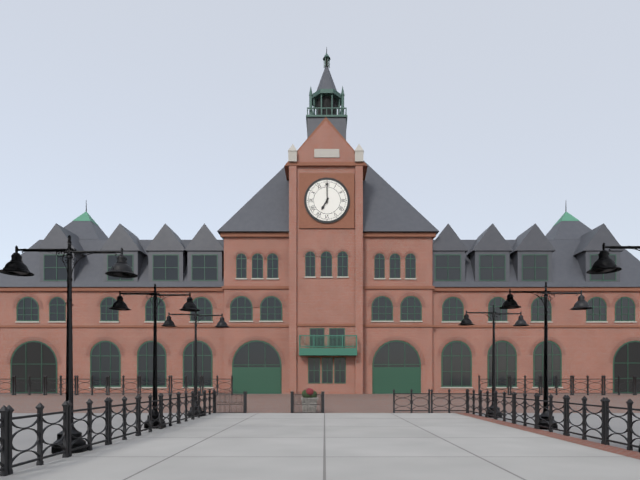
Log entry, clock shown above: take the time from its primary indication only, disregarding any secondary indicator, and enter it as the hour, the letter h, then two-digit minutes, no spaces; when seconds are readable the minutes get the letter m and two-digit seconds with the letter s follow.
7h00
